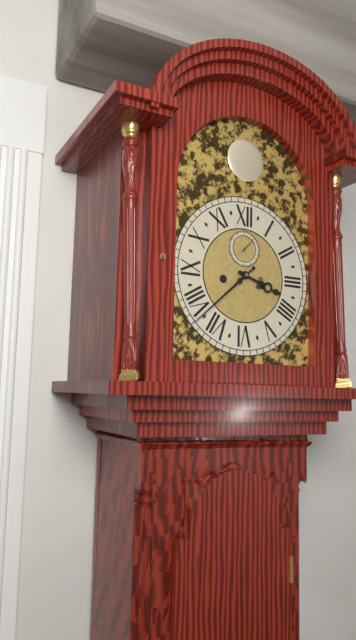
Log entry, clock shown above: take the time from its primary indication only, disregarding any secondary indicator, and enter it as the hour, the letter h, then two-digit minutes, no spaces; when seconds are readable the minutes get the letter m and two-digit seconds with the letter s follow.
3h38
